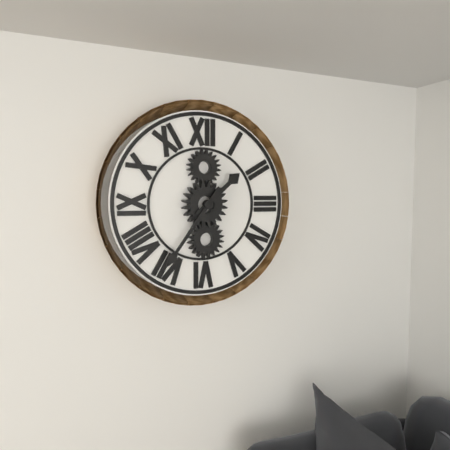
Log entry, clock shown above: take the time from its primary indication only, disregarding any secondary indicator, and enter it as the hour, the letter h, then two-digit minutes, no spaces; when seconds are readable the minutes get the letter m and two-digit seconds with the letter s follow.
1h36
